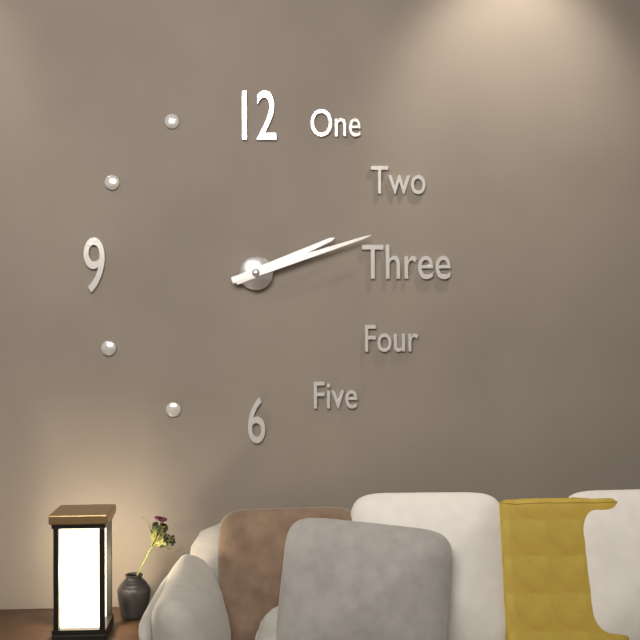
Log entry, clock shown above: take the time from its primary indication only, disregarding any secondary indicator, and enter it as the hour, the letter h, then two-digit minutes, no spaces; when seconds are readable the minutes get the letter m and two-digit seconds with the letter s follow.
2h12
